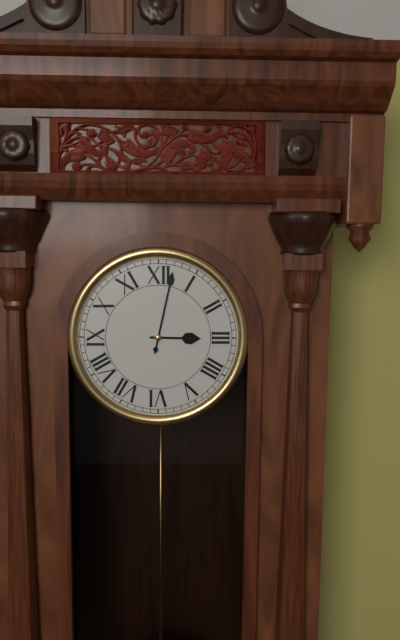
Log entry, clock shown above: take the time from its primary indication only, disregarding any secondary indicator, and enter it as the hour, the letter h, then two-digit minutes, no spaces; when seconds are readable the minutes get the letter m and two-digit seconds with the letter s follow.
3h02
